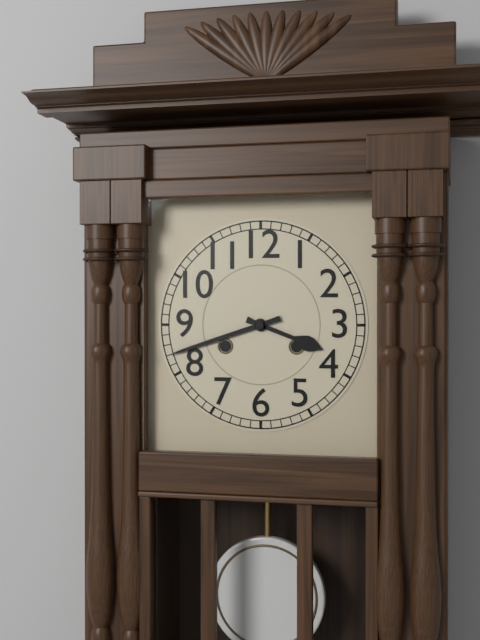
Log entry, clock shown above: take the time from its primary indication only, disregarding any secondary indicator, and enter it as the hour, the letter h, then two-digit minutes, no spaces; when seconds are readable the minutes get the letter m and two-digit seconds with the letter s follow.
3h42
